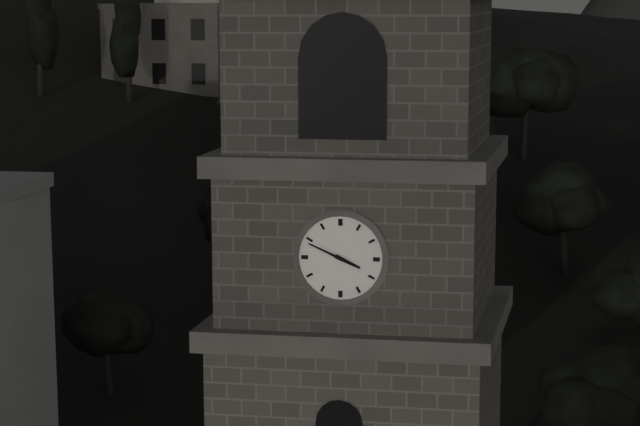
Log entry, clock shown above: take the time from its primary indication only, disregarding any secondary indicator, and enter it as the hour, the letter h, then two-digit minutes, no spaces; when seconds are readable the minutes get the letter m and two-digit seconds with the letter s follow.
3h49
